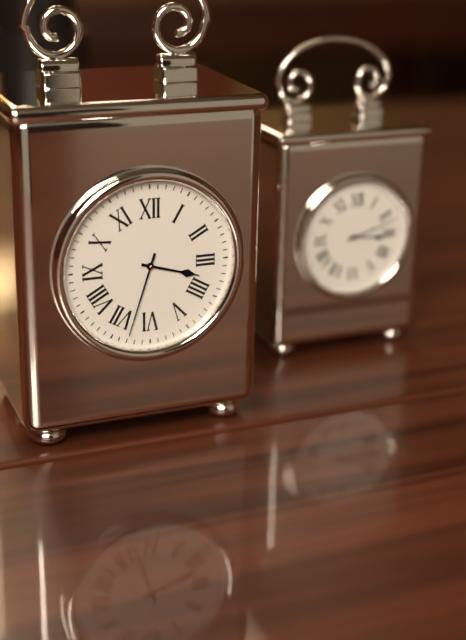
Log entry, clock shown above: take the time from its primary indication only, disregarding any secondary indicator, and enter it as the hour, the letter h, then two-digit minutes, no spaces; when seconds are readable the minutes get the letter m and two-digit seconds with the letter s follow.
3h33
